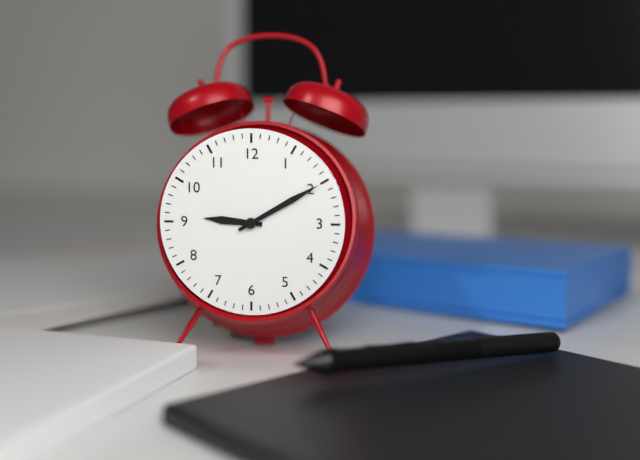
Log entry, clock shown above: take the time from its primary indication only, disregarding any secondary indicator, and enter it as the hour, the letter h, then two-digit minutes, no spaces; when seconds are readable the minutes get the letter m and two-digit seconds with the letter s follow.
9h10
